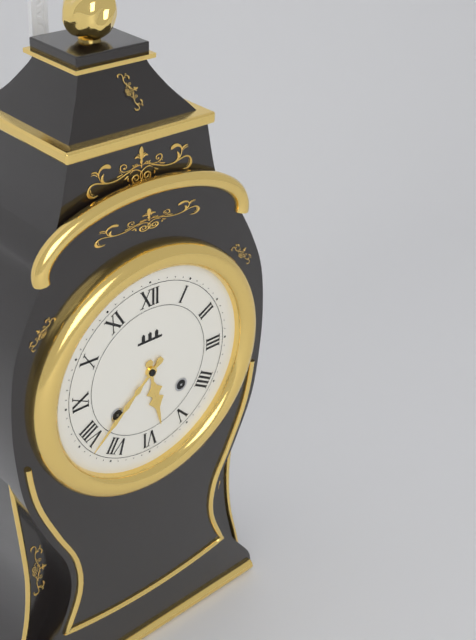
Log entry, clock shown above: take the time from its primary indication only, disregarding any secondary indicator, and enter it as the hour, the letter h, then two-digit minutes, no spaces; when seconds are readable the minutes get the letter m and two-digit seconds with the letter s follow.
5h38
